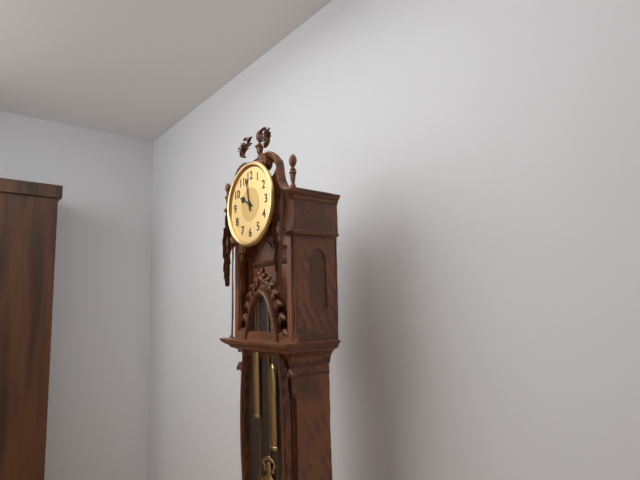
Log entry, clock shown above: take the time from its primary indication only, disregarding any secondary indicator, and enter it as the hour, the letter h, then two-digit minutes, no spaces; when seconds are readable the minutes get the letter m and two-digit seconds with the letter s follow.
9h58
